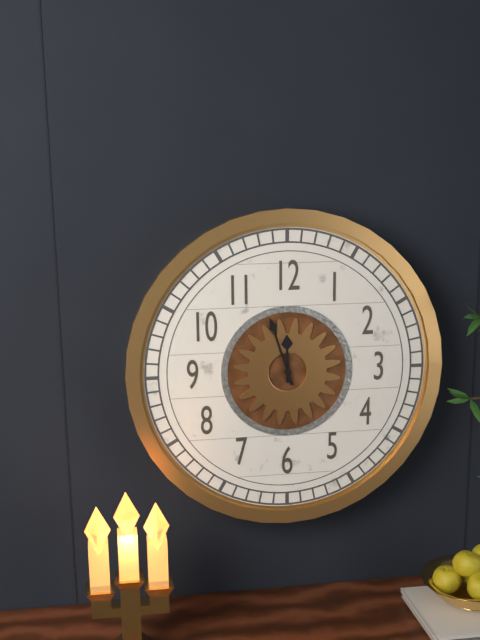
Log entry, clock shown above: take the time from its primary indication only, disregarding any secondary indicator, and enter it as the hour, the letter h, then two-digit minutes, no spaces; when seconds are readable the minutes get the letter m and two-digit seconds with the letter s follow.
11h57
